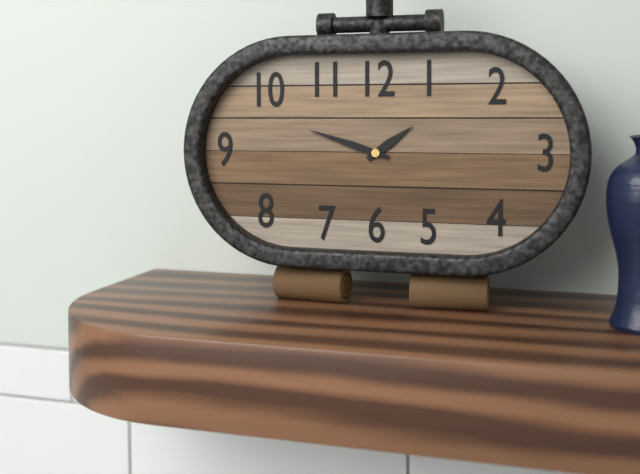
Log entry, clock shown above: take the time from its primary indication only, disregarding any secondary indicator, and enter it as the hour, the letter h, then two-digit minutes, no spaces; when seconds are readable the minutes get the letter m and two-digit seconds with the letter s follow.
1h48
